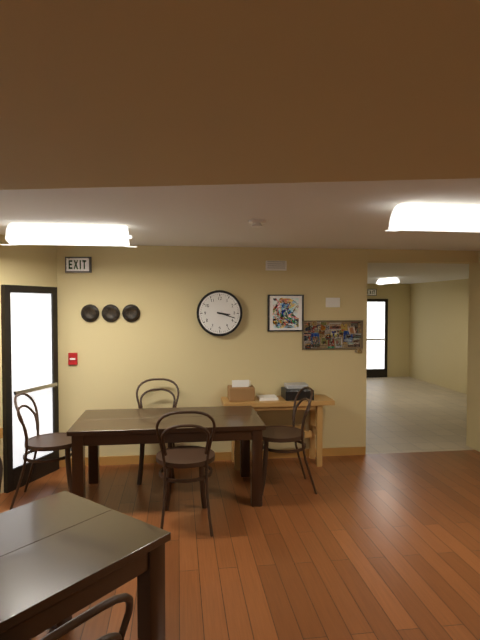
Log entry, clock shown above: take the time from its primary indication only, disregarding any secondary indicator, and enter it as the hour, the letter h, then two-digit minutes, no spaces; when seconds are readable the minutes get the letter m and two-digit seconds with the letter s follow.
3h18
